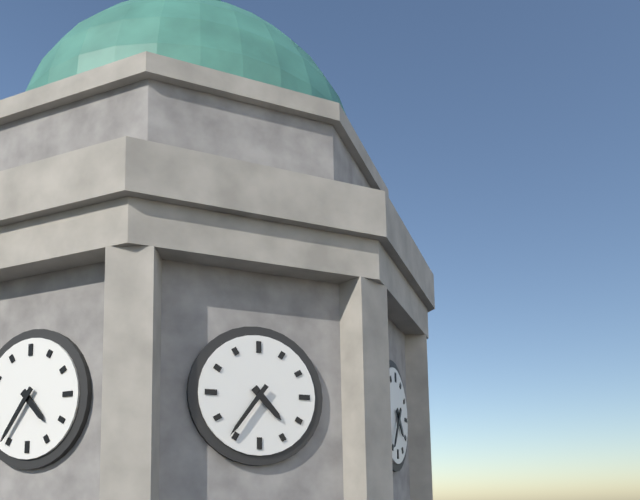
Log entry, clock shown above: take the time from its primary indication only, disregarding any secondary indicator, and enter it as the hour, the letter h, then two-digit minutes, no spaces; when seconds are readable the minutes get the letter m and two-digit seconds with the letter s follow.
4h36
